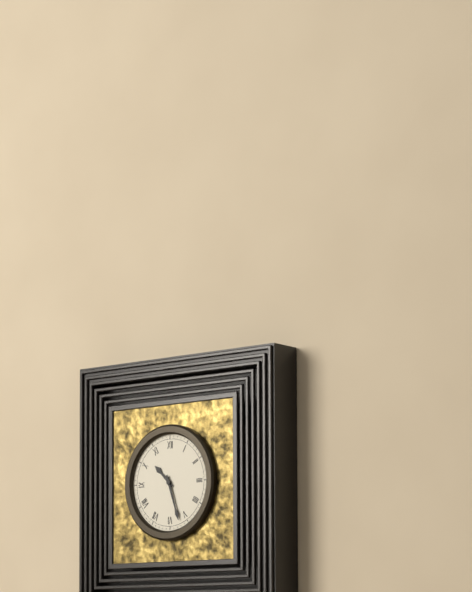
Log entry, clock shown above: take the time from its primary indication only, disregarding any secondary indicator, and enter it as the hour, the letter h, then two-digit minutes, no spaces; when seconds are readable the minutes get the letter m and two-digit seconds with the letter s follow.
10h27
